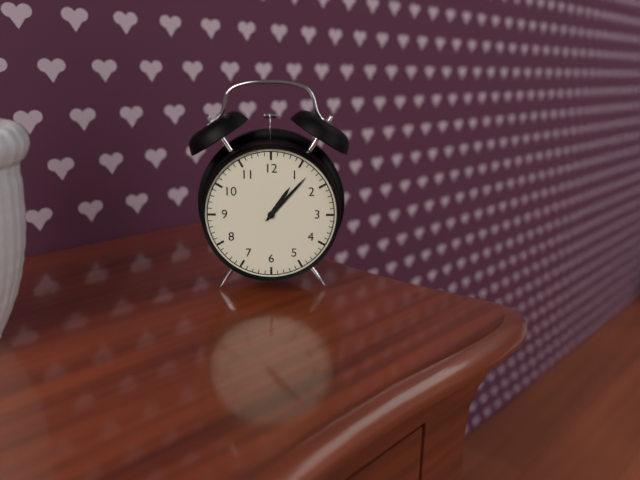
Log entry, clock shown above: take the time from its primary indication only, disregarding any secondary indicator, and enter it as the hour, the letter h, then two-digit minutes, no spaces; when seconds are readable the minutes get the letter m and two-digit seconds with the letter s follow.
1h07
